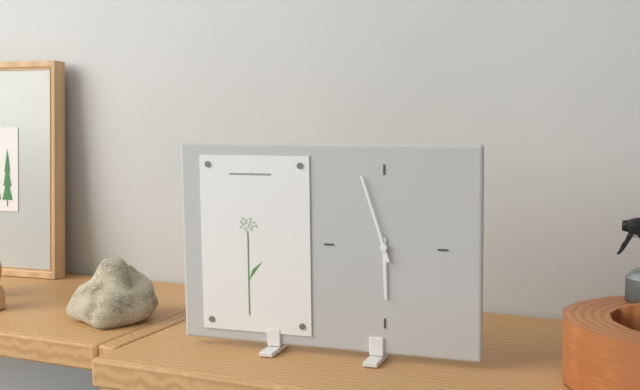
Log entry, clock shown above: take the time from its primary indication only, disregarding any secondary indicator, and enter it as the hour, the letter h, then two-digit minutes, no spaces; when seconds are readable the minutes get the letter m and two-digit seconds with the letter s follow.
5h57
